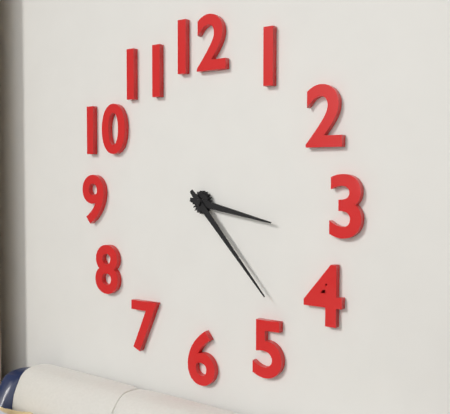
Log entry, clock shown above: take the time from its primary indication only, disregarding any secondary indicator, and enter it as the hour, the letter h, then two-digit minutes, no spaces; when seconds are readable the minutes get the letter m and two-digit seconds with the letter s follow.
3h23
